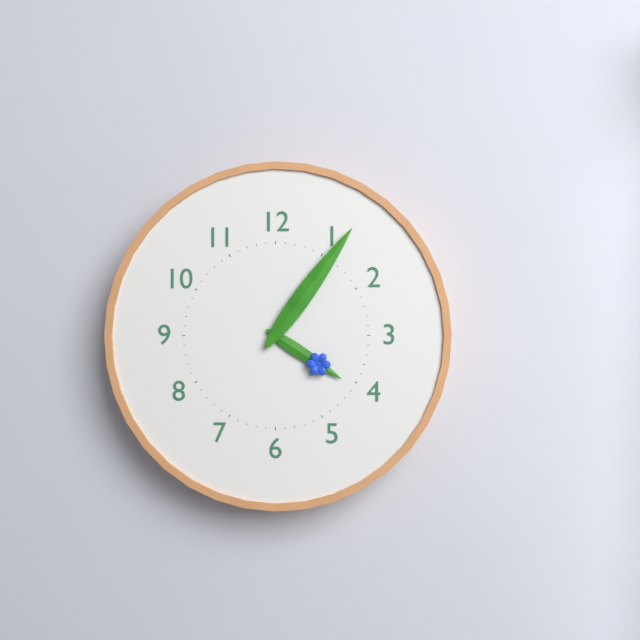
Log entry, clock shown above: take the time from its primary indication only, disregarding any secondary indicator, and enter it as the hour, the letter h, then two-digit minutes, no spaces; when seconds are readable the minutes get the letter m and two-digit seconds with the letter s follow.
4h06
